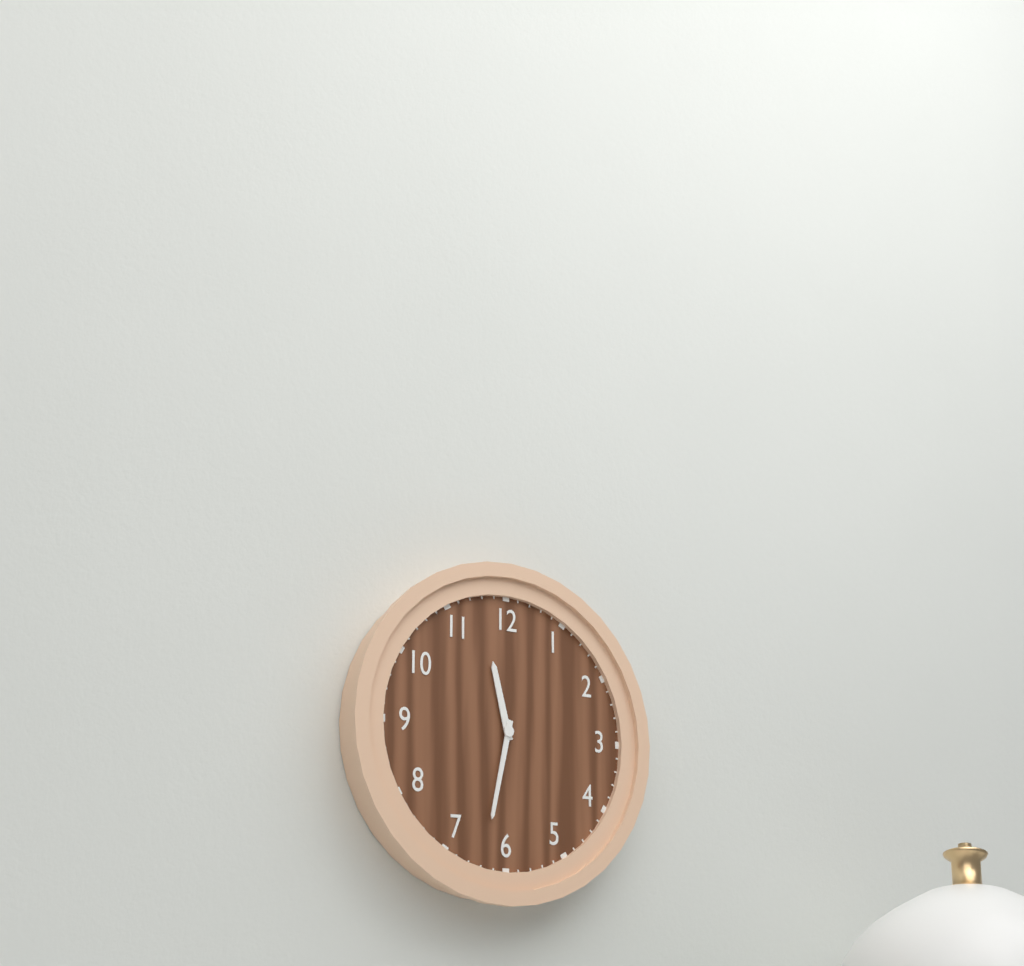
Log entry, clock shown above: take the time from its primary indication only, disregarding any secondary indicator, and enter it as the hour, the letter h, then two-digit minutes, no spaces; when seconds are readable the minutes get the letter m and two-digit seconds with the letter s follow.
11h32
